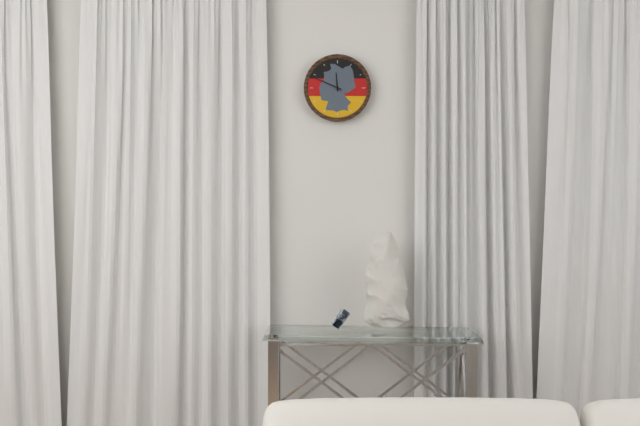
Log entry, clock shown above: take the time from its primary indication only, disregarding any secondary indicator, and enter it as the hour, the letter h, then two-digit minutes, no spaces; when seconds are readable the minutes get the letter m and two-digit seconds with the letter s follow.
11h49
